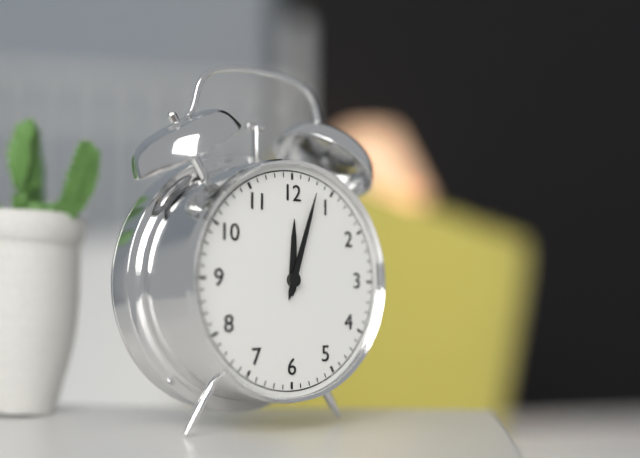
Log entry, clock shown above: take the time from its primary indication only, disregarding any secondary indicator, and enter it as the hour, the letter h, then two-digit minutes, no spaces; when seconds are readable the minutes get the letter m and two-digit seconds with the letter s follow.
12h03
